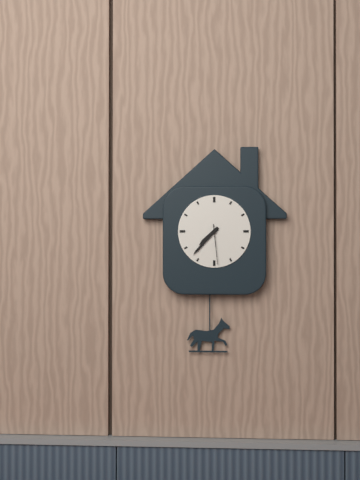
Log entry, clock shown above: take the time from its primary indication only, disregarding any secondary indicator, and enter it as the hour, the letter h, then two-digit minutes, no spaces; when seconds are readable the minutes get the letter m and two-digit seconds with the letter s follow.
7h37
